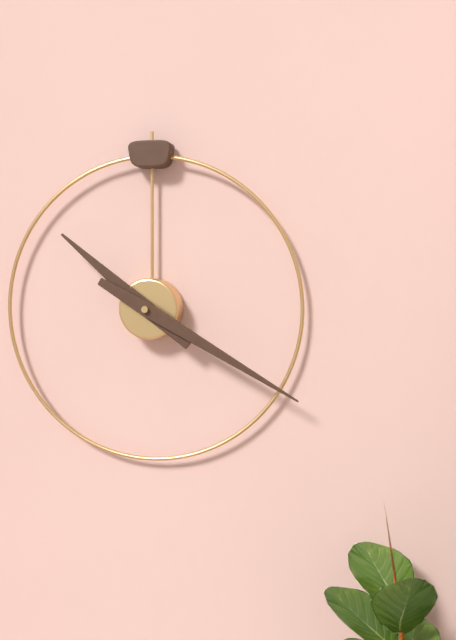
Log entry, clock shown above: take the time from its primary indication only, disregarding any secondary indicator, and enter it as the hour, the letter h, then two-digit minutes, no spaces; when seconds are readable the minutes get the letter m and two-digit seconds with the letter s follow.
10h20
